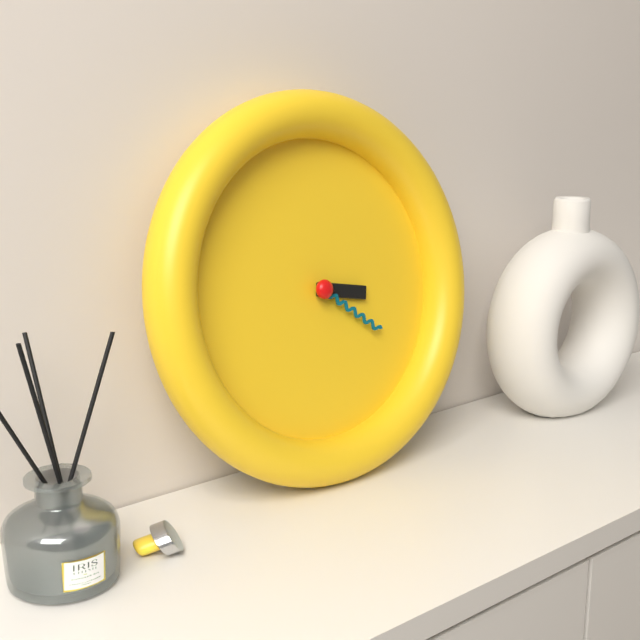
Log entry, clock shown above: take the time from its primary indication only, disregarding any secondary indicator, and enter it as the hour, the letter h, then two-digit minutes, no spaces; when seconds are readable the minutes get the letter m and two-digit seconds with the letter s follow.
3h21
